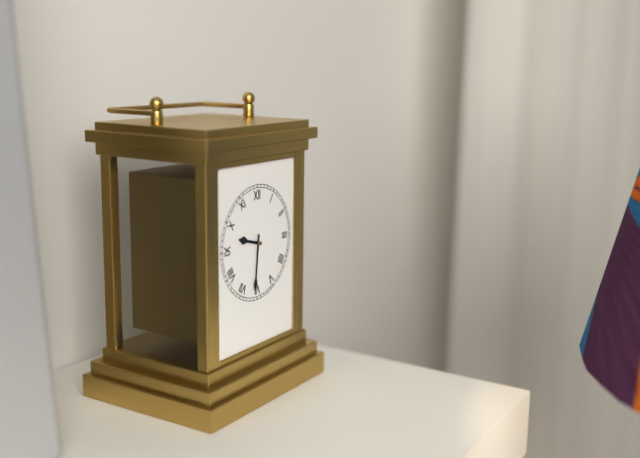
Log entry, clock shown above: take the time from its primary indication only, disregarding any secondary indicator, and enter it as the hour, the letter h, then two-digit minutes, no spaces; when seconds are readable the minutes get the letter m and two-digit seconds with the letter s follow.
9h31
